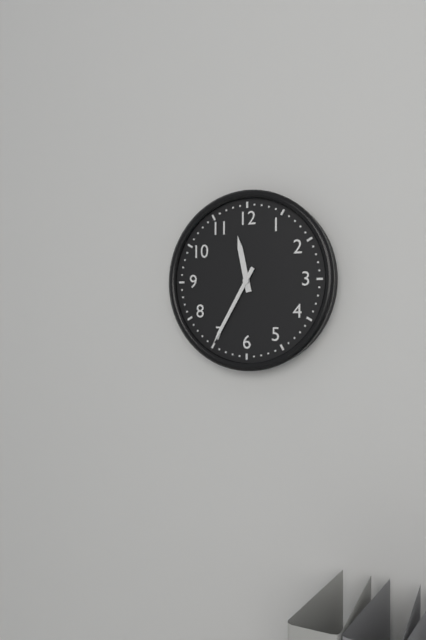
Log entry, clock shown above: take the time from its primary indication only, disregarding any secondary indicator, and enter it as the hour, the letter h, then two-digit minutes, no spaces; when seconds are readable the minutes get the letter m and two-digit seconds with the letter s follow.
11h35
